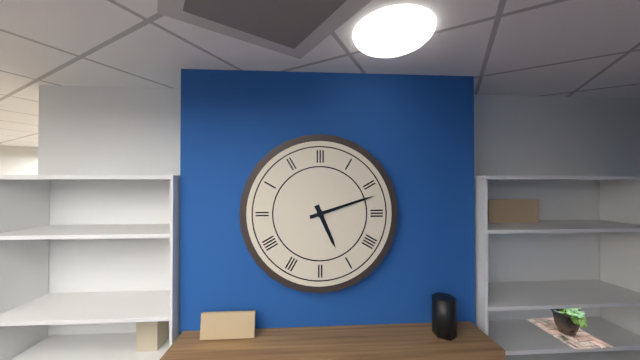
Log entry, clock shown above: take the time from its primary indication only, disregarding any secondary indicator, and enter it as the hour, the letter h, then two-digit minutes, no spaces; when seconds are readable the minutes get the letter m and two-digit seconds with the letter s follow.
5h12
